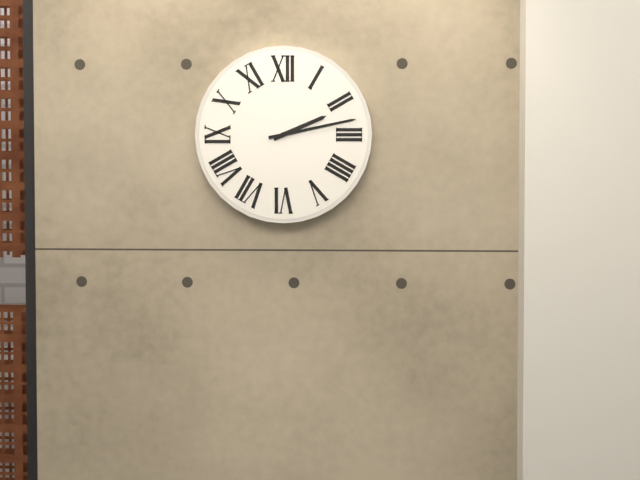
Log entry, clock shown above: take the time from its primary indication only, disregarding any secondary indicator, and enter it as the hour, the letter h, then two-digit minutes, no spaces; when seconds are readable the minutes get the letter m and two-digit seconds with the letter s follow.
2h13
